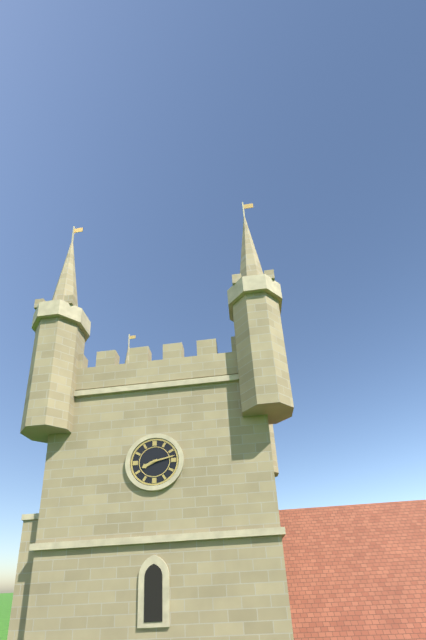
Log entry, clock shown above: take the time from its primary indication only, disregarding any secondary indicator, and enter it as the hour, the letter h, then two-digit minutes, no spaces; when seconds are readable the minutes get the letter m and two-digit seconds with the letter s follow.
8h13
